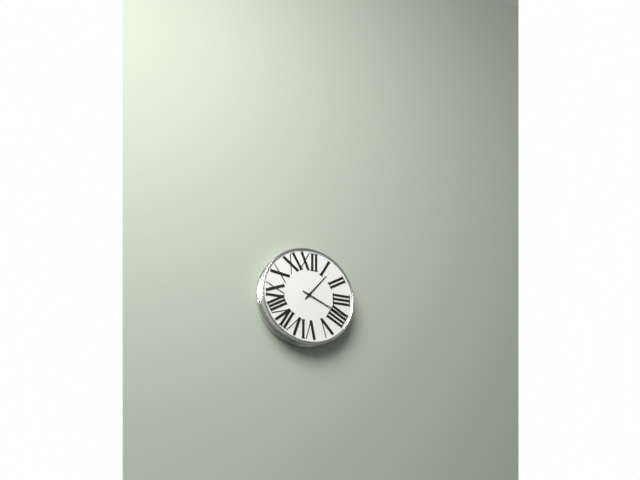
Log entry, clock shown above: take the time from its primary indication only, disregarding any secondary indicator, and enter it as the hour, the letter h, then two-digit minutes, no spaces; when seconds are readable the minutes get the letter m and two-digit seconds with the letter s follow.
1h19
